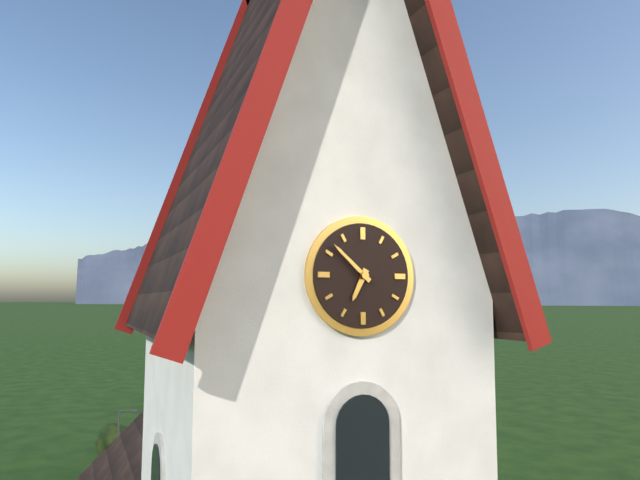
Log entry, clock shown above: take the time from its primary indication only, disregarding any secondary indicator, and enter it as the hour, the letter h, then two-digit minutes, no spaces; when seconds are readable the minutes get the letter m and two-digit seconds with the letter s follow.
6h52
